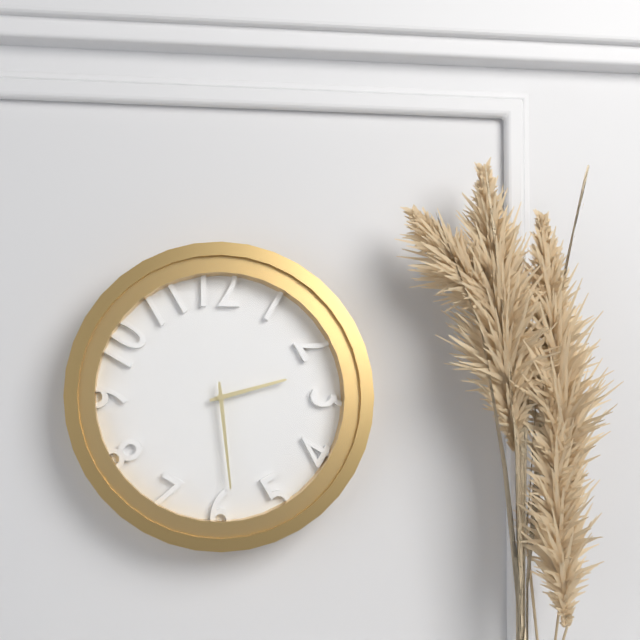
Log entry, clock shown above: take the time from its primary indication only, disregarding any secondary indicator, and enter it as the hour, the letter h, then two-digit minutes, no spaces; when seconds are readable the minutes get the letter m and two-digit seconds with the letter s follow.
2h29
